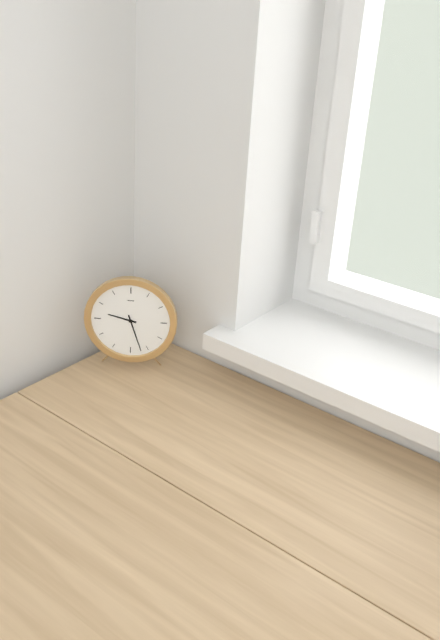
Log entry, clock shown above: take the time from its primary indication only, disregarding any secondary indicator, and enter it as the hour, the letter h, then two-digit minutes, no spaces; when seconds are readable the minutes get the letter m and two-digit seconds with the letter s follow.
9h27
